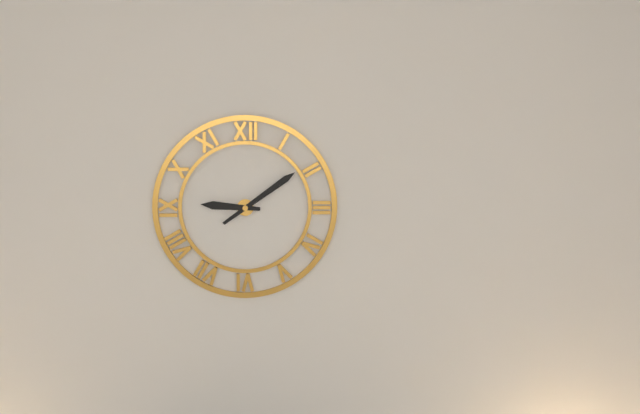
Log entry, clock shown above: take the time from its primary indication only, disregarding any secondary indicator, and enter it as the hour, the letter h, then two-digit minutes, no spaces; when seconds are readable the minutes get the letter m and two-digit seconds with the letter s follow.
9h09
